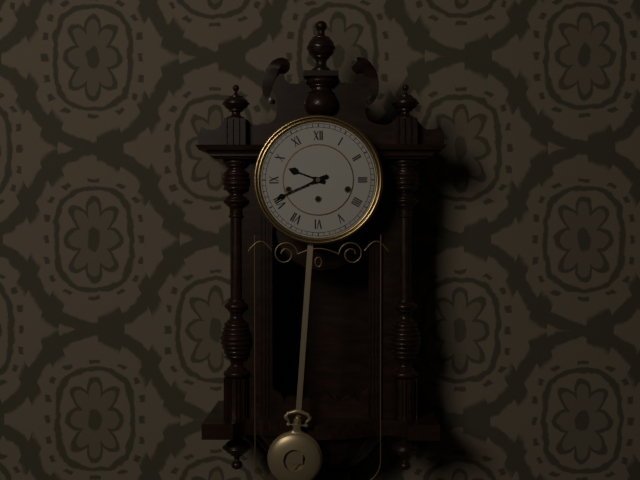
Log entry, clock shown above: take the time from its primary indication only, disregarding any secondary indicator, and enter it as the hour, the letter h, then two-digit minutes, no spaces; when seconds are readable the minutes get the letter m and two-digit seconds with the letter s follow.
9h41
